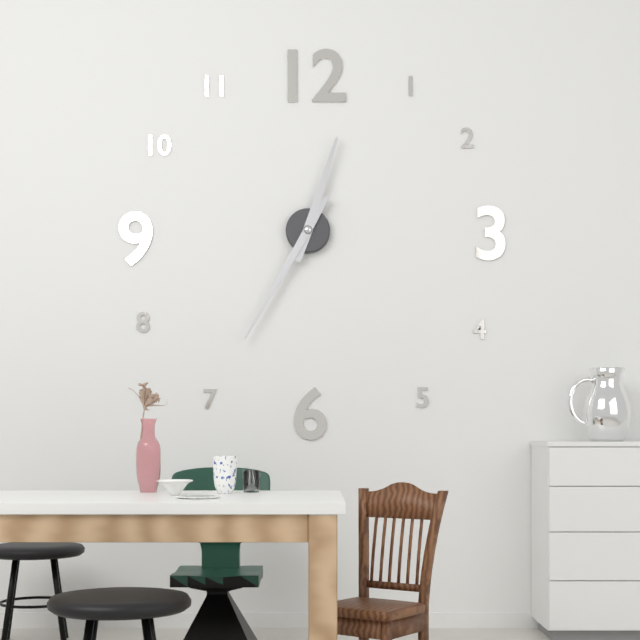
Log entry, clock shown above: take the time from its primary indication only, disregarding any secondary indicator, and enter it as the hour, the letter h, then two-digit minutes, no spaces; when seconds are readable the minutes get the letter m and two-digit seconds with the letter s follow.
12h35
